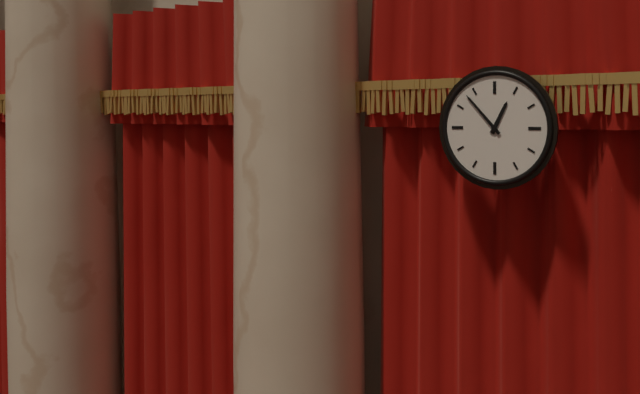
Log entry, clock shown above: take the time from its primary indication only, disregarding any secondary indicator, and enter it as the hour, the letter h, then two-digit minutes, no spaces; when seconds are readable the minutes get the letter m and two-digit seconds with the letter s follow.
12h53
